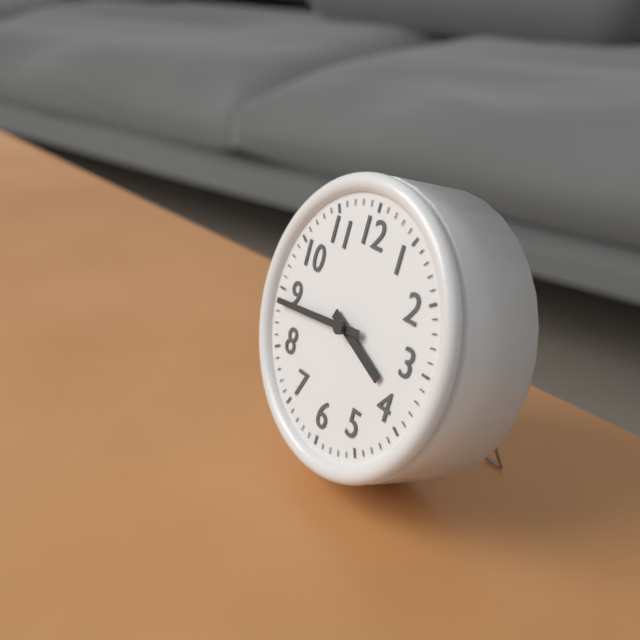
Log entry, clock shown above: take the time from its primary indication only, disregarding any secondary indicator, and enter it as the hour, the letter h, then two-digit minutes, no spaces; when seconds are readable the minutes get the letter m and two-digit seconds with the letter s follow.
3h44
